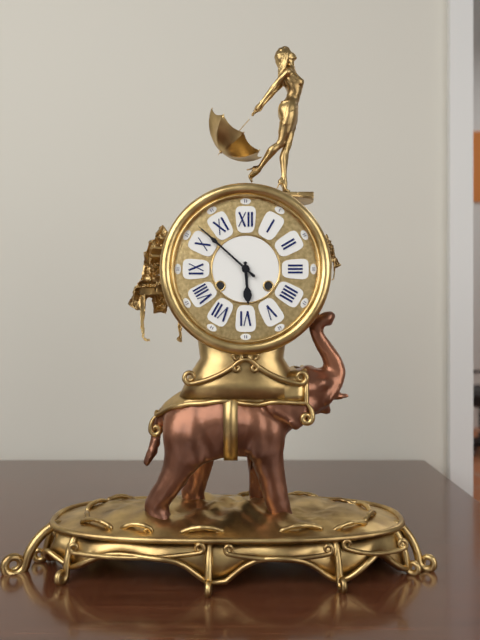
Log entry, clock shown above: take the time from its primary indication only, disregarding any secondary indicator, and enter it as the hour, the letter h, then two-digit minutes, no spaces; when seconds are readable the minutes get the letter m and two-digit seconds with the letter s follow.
5h52
